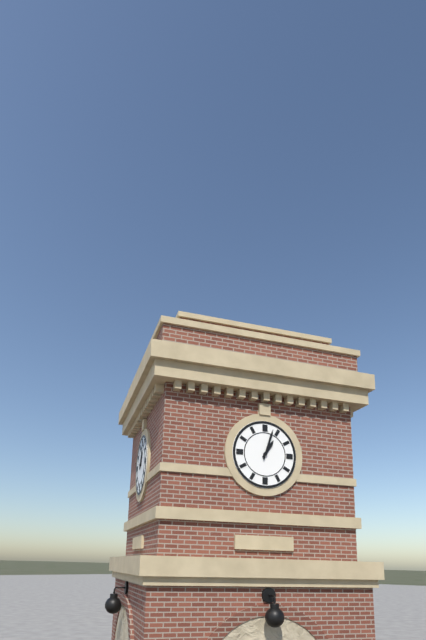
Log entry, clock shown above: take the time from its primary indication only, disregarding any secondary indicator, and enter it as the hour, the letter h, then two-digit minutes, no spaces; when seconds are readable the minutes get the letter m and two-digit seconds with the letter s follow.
1h03
